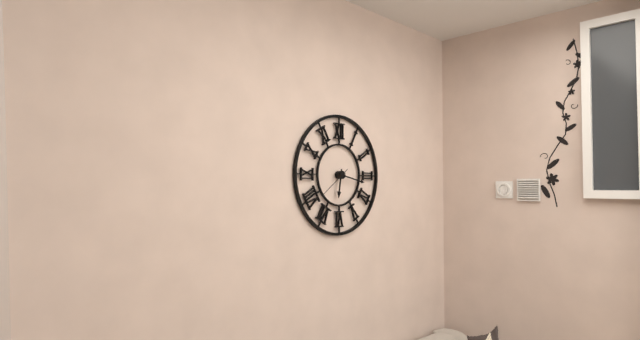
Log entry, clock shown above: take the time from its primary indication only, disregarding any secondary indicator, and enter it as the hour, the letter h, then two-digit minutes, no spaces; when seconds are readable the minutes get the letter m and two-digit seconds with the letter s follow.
6h17
